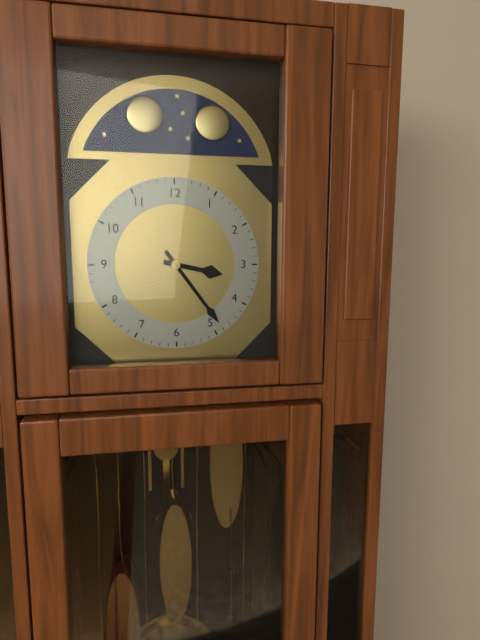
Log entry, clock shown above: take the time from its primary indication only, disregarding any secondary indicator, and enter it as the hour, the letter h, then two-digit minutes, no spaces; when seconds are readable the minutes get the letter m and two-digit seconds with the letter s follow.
3h24
